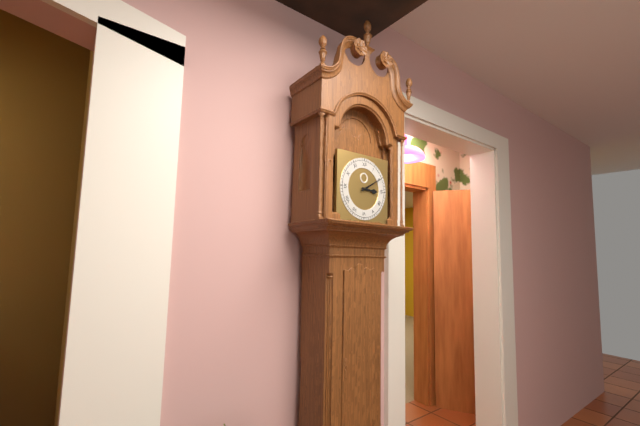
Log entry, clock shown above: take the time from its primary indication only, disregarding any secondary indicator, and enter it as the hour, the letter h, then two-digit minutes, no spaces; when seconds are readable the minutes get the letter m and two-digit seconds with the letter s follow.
3h10
